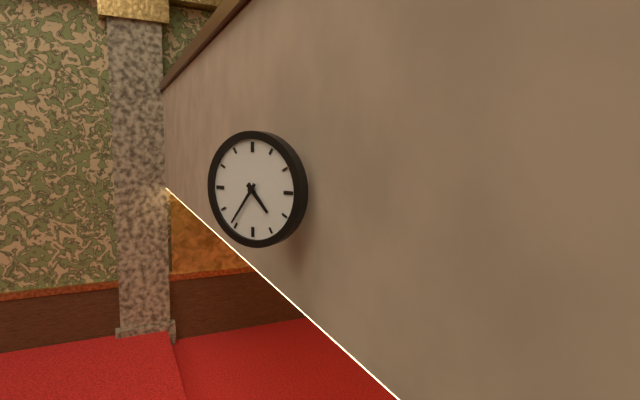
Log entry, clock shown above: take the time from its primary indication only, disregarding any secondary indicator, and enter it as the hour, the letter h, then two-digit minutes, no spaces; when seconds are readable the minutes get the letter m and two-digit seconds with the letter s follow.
4h36
